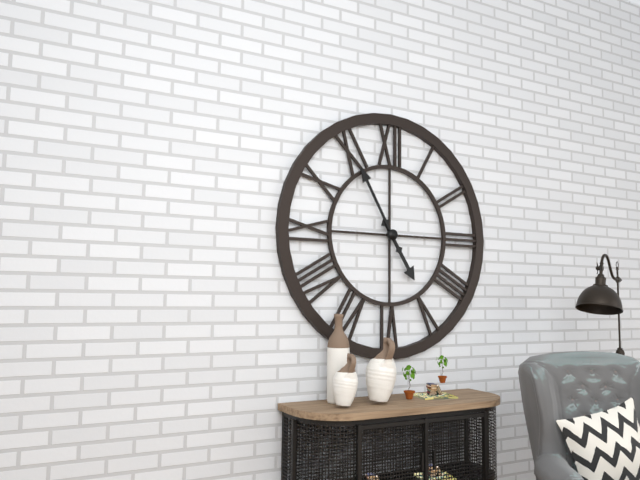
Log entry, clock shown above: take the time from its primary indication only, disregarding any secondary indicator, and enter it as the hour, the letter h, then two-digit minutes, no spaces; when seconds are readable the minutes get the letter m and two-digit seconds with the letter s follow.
4h55
